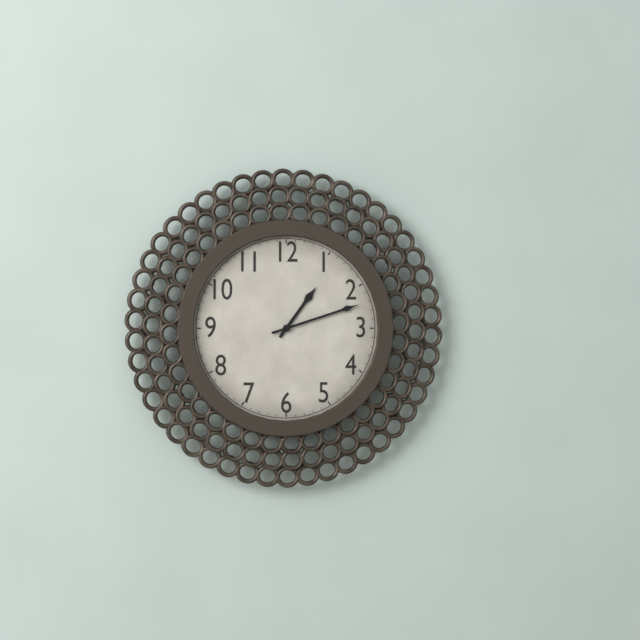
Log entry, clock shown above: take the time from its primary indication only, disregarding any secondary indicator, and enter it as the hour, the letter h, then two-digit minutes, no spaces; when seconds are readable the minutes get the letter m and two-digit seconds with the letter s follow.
1h12
